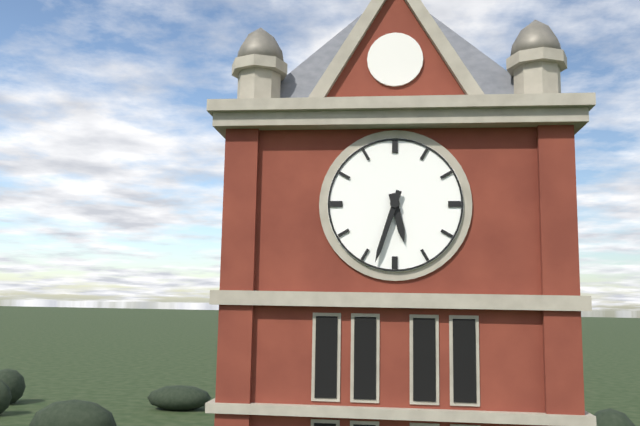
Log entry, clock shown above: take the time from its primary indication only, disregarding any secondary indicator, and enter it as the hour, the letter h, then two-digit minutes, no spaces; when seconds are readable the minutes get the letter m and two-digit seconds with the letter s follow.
5h33
